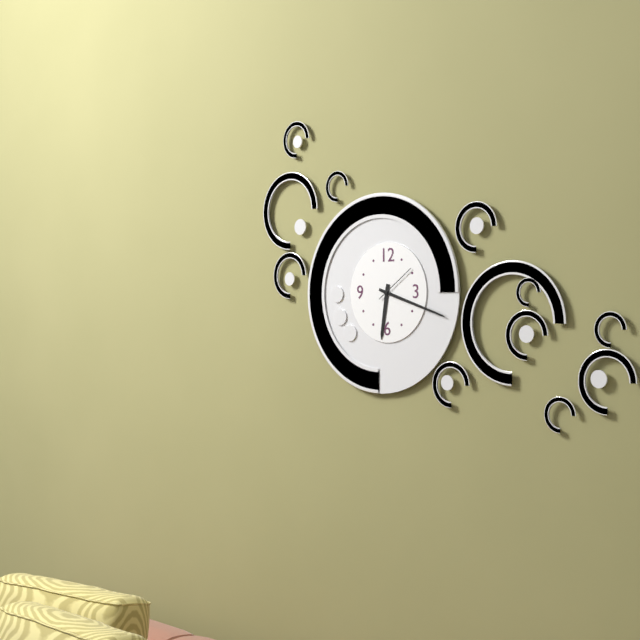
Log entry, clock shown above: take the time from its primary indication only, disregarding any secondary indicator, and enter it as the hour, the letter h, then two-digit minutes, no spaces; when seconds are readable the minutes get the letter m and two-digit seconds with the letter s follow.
6h18
